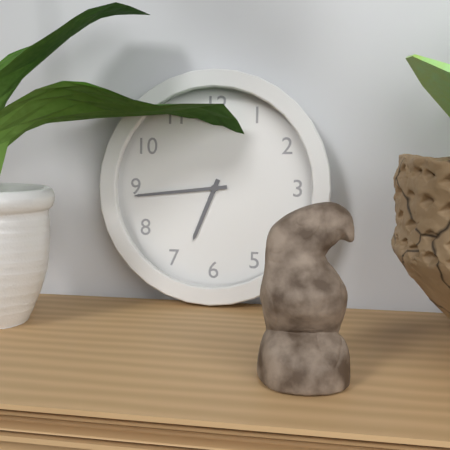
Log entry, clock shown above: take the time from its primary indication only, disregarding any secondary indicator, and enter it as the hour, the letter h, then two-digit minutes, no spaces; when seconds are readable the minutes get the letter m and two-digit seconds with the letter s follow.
6h44
